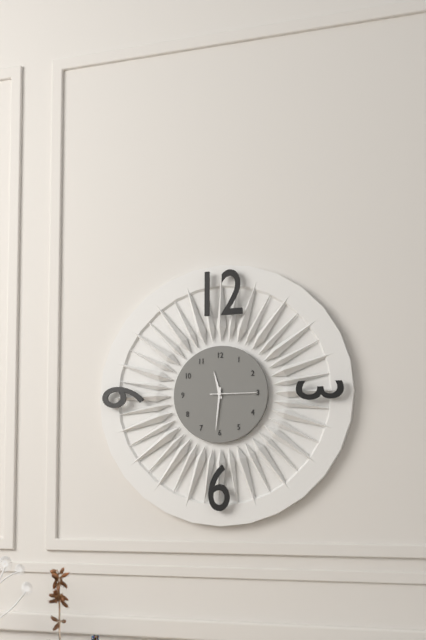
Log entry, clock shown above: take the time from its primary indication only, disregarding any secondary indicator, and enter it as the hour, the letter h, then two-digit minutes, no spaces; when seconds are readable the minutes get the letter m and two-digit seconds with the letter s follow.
11h31
